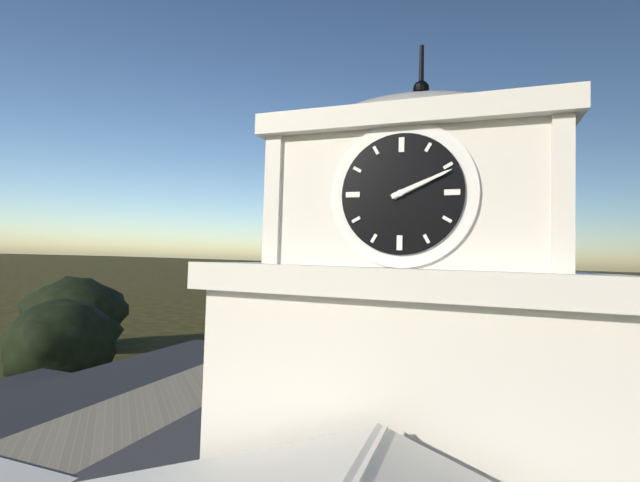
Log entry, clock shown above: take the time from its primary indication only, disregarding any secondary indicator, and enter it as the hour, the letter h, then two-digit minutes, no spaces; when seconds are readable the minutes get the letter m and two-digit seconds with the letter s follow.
2h11
